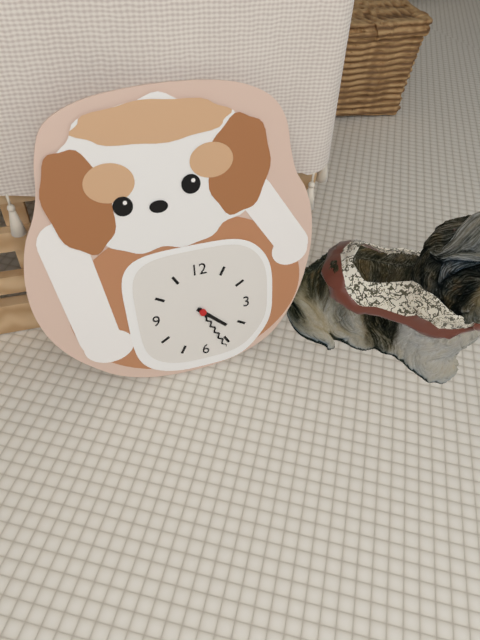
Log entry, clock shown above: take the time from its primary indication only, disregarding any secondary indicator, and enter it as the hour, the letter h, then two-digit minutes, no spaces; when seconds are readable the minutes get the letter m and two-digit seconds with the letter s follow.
4h26
